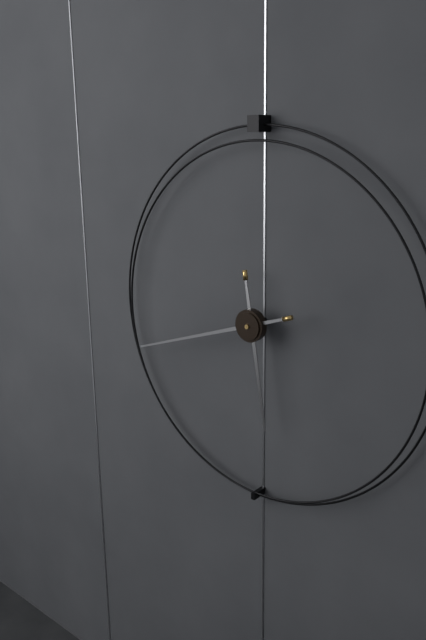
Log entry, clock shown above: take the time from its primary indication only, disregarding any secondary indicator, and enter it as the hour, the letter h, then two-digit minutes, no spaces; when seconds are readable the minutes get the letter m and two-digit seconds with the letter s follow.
5h42
